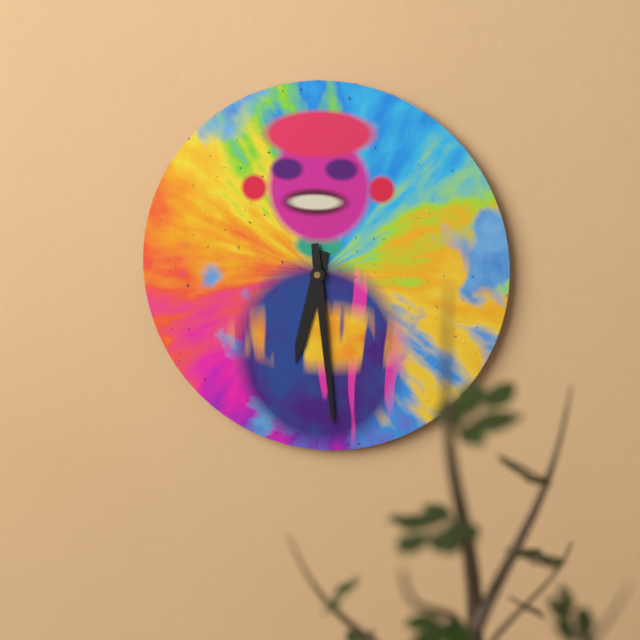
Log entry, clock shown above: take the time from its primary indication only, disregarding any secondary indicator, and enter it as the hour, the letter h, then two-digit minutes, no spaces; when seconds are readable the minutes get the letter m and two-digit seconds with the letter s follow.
6h29
